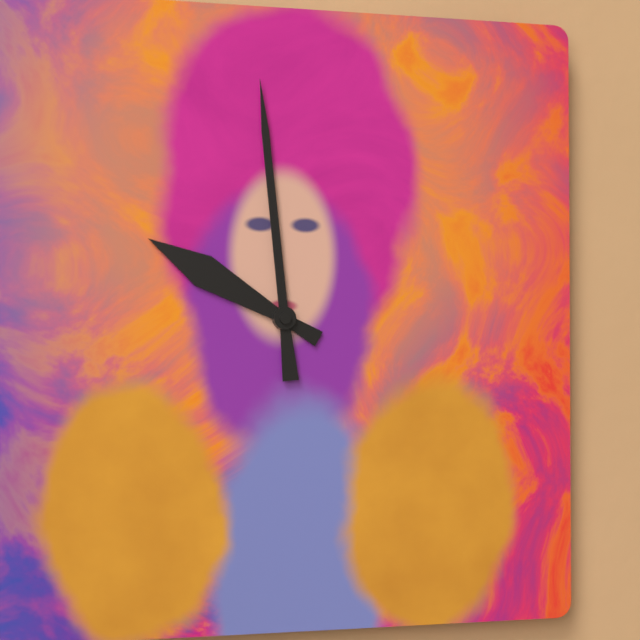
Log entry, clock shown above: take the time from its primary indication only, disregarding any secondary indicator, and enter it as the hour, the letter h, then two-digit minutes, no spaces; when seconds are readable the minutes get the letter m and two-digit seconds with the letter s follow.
9h59
